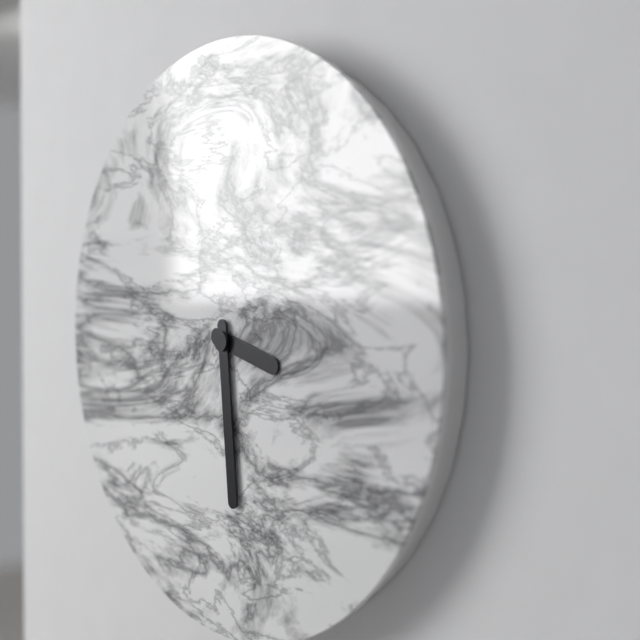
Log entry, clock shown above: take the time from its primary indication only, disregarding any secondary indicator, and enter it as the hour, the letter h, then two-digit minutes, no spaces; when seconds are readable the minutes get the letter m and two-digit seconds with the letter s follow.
3h29
